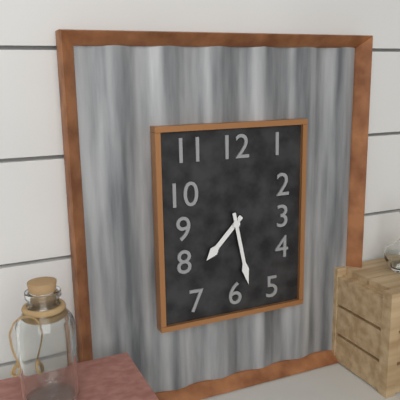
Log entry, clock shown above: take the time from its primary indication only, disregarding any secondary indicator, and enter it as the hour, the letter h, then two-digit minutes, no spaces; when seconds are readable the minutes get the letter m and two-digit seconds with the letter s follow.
7h28
